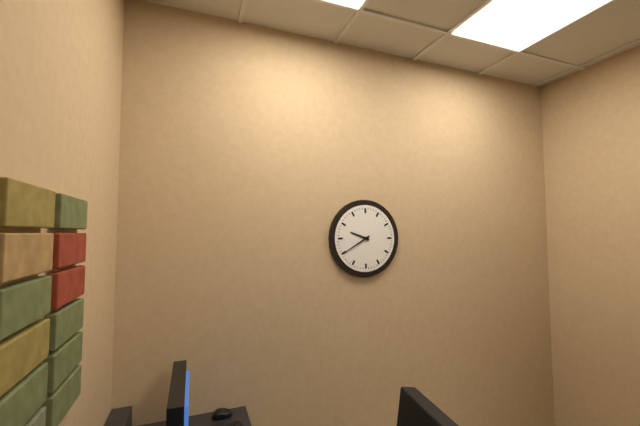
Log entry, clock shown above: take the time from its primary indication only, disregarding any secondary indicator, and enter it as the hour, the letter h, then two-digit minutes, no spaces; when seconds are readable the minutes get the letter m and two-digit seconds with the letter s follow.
9h40
